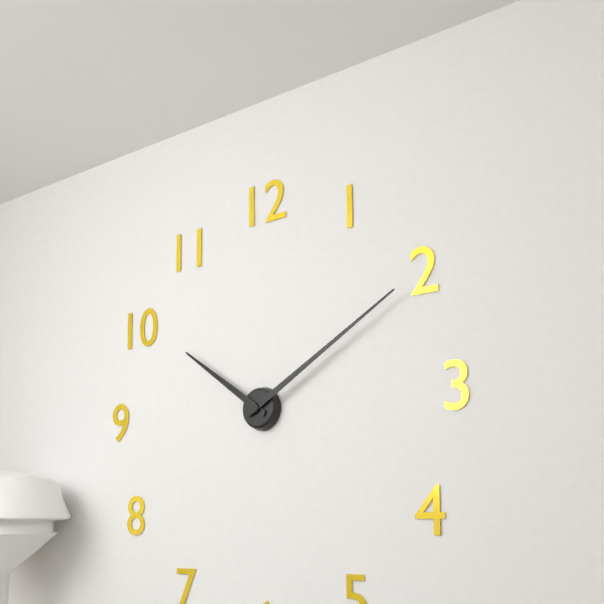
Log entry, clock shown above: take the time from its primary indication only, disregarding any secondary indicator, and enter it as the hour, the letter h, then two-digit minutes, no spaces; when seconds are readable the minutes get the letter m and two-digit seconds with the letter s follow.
10h10
